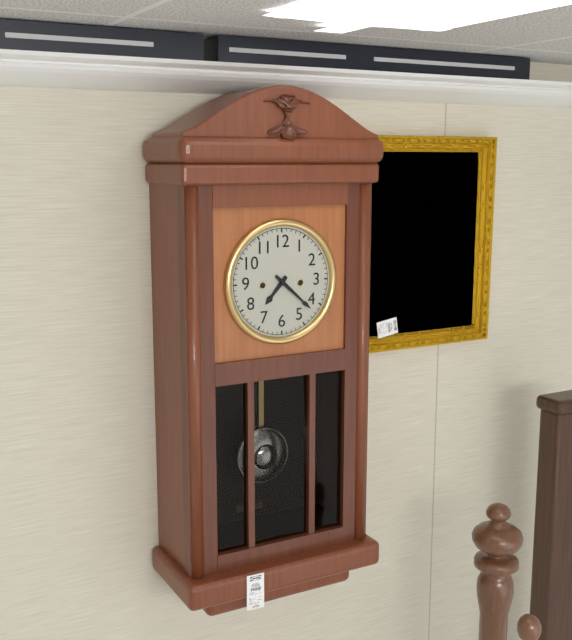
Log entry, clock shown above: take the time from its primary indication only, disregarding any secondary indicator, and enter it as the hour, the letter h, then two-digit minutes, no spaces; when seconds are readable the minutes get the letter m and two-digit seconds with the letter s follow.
7h22
